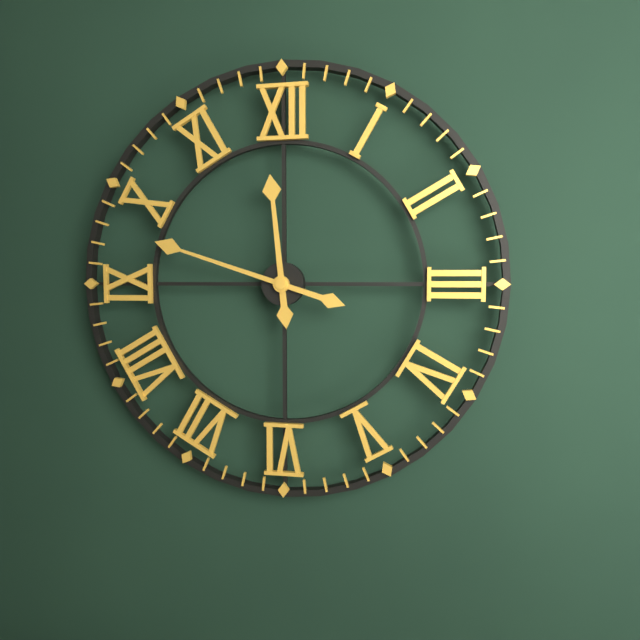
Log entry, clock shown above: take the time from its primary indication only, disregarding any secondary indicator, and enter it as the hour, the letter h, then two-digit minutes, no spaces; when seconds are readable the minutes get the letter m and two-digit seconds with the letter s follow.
11h48
